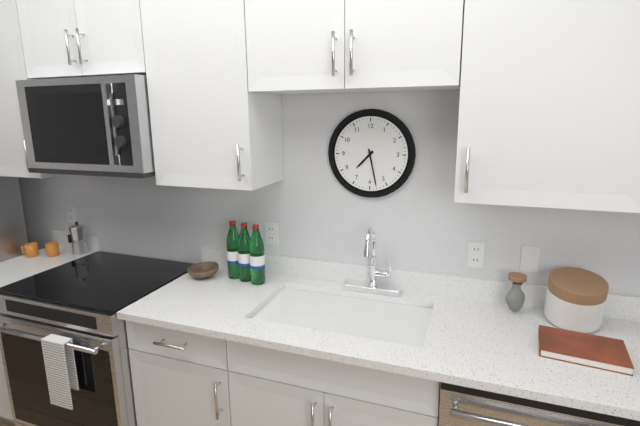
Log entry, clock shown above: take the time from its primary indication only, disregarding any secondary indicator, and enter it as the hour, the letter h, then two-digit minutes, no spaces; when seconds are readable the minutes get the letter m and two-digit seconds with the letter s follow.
7h28
